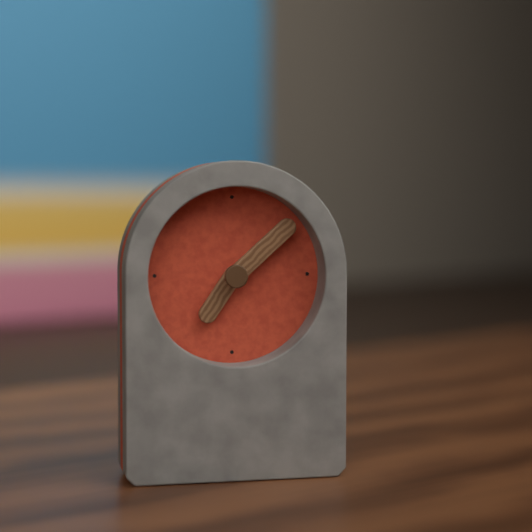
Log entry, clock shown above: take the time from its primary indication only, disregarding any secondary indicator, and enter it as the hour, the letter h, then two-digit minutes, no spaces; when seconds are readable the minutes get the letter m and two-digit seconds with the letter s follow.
7h08
